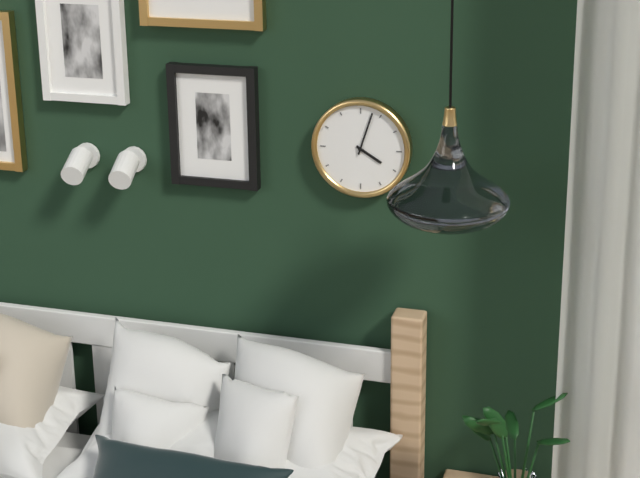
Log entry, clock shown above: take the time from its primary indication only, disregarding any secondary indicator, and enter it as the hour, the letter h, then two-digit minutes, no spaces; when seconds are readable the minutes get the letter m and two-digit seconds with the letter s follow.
4h03
